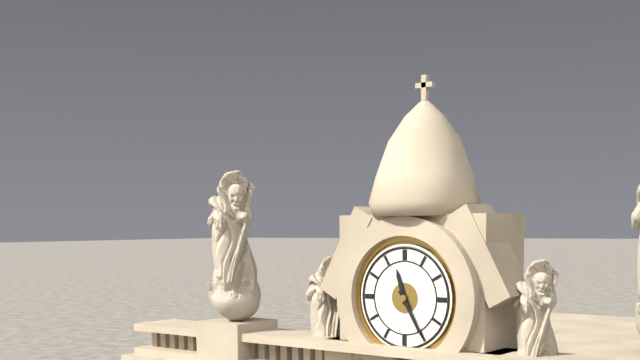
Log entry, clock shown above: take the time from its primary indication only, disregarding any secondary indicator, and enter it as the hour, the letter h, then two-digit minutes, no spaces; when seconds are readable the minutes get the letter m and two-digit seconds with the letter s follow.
11h25
